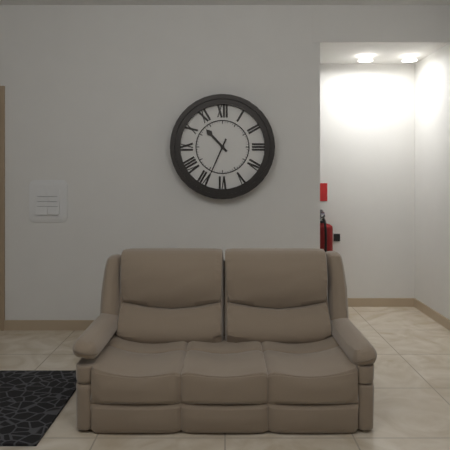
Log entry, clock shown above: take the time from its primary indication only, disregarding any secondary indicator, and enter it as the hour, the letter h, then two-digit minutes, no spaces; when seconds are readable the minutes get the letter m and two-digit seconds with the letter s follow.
10h34
